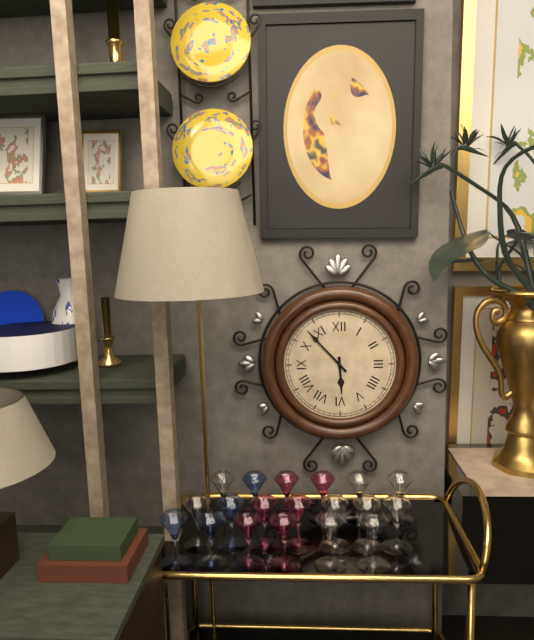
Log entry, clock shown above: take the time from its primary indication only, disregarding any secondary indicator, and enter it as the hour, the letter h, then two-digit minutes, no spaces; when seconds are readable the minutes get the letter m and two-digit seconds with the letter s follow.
5h53
